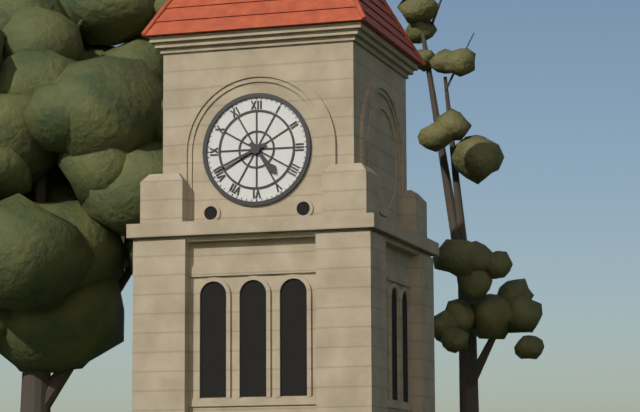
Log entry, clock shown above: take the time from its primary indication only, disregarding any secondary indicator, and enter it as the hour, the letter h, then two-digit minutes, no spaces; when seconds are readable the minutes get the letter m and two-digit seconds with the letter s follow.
4h41
